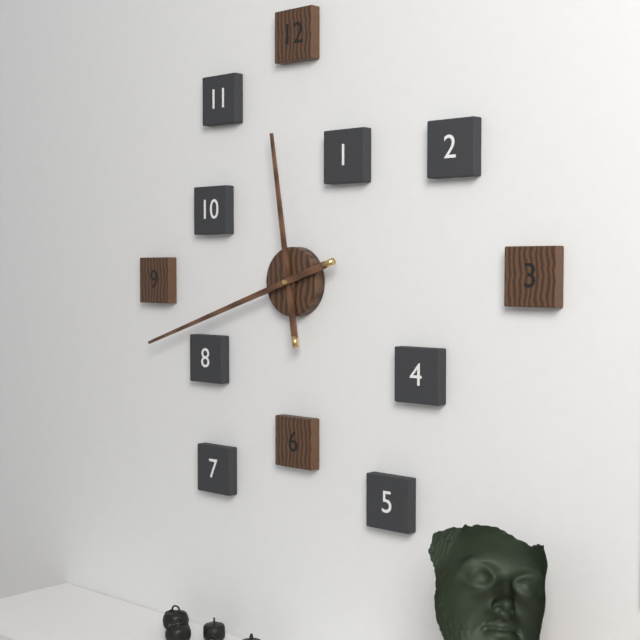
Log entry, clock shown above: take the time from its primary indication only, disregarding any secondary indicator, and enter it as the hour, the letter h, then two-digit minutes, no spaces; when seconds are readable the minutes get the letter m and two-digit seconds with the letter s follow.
11h42
